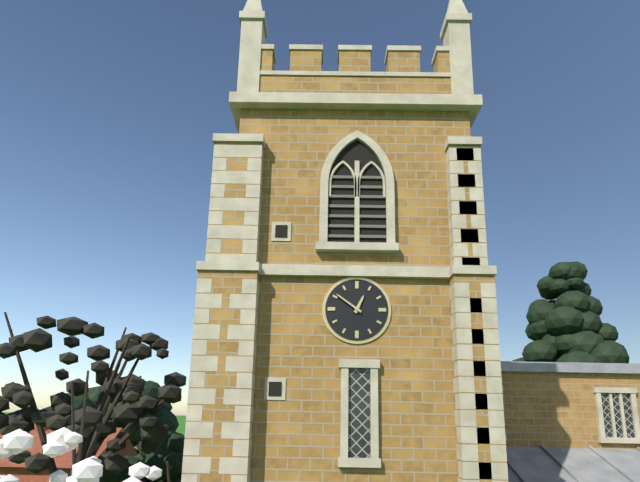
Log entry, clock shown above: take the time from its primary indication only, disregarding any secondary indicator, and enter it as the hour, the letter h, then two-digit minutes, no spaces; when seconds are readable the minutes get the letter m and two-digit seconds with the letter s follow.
12h51
